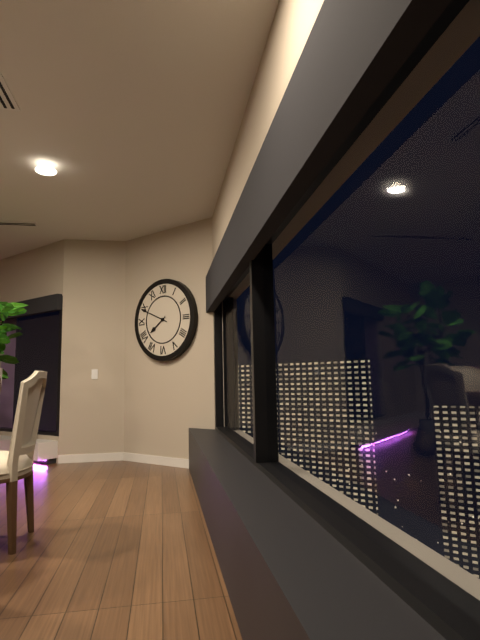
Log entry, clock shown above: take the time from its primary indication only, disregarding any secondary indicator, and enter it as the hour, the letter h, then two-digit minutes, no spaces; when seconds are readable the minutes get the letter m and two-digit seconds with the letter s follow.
7h49
